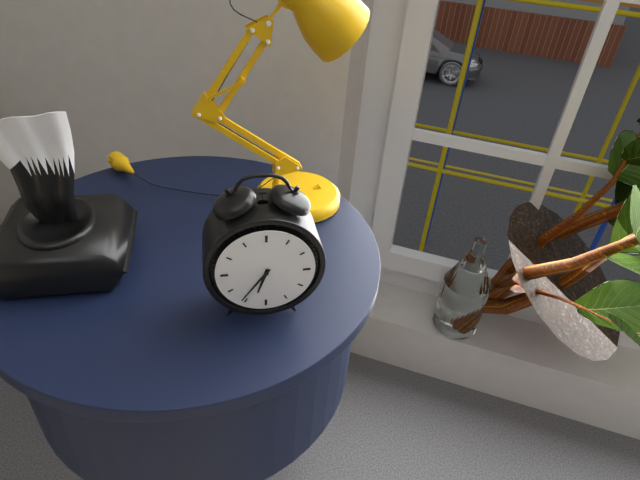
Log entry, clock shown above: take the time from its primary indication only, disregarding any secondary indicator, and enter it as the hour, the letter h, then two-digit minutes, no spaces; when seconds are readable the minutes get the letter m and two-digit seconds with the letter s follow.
6h36
